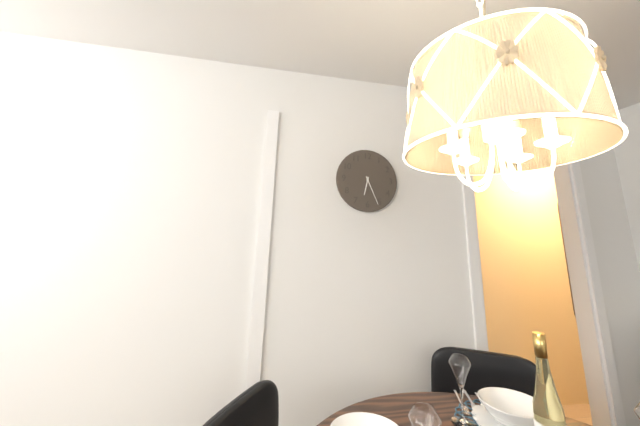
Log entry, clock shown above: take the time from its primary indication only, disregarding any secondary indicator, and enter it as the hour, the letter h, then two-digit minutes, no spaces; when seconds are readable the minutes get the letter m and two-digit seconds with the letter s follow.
6h26
